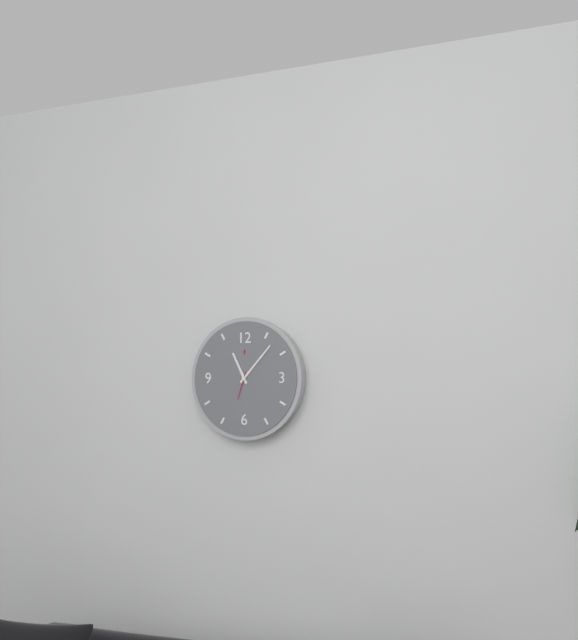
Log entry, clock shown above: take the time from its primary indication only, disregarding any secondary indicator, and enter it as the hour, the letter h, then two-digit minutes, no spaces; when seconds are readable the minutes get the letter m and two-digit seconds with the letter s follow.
11h07
